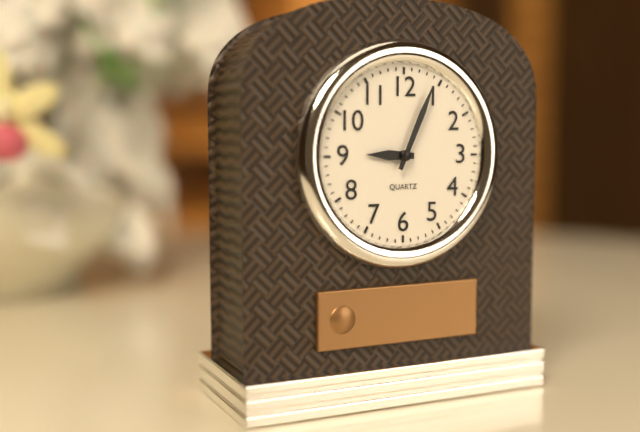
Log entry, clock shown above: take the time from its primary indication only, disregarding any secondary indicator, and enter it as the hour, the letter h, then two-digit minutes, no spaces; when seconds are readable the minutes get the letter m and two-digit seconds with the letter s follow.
9h04
